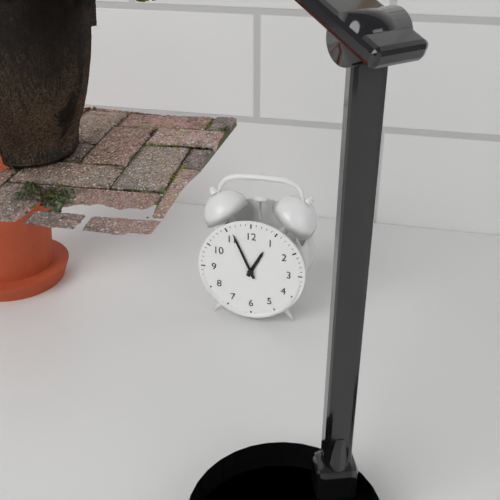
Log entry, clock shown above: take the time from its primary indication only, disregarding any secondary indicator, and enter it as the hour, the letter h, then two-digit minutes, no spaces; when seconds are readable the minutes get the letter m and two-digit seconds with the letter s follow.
12h56
